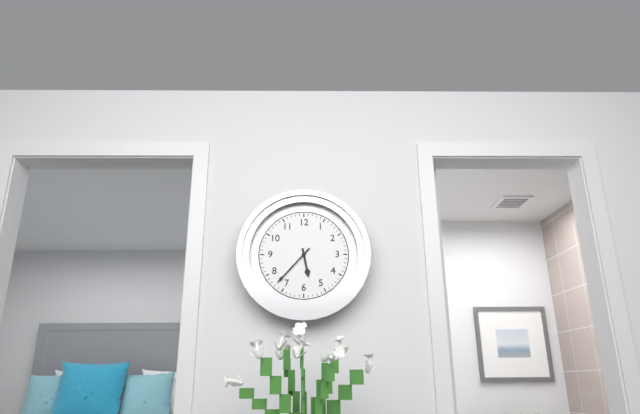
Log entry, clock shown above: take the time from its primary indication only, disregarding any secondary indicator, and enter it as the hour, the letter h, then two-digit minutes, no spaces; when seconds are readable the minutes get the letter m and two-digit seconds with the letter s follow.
5h37
